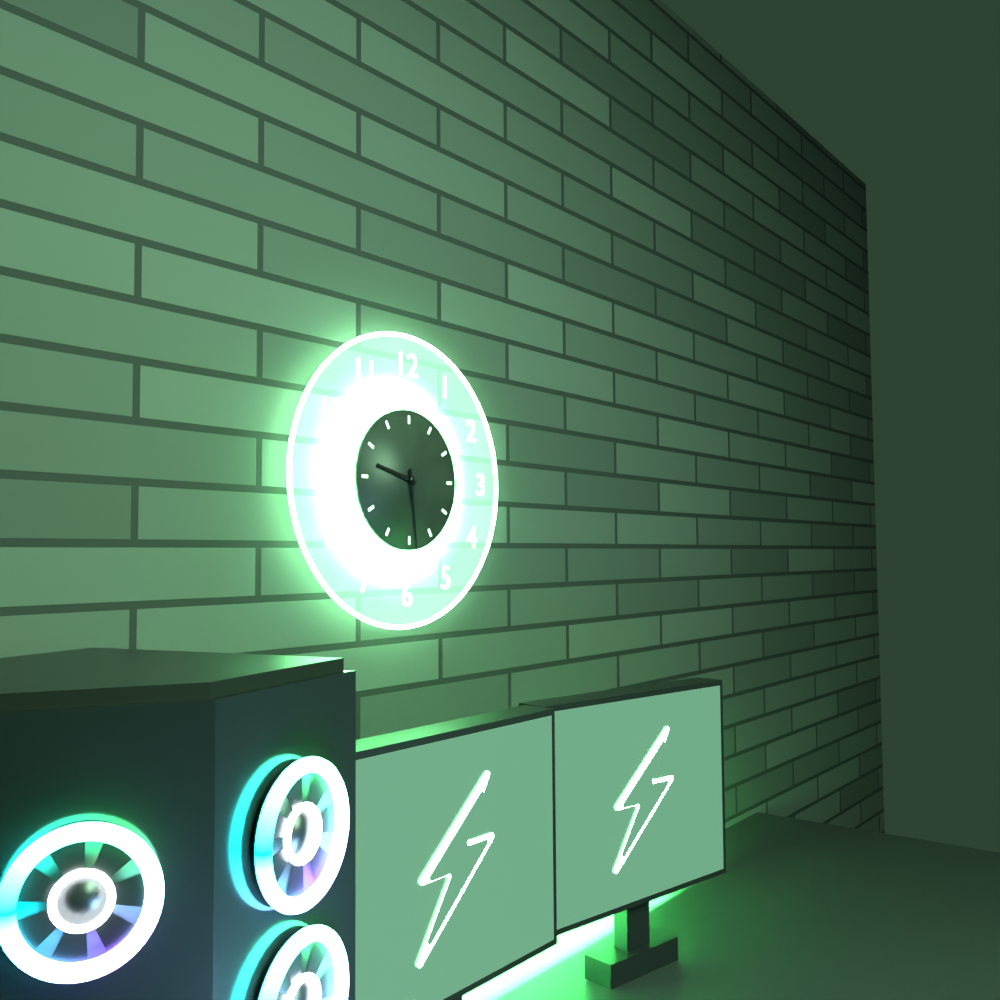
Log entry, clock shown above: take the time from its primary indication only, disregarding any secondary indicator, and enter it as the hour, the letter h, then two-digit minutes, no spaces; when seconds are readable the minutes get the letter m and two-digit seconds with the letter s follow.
9h29
